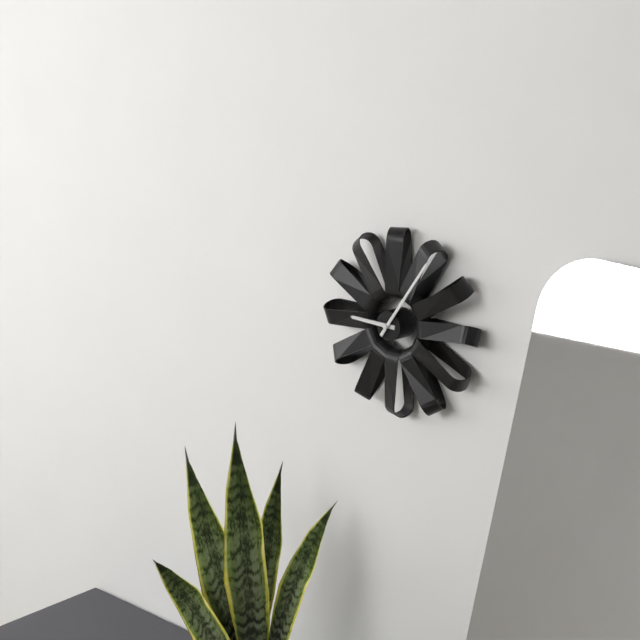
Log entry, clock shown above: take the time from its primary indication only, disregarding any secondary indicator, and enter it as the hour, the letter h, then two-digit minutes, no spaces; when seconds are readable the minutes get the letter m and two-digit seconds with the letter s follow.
9h06
